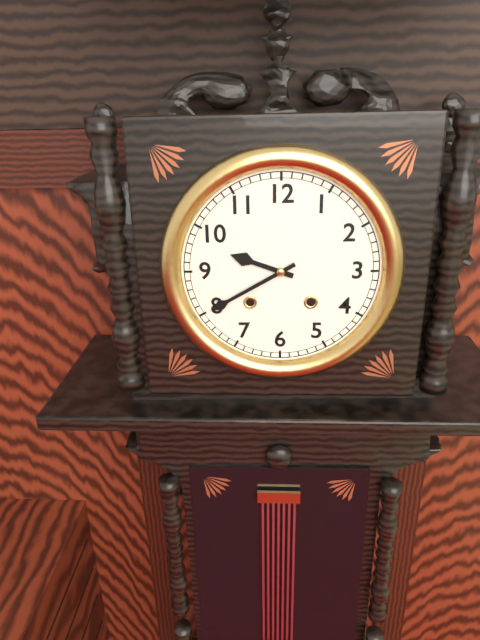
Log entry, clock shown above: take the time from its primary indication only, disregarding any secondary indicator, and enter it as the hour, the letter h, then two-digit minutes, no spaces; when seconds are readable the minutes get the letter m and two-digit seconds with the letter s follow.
9h40
